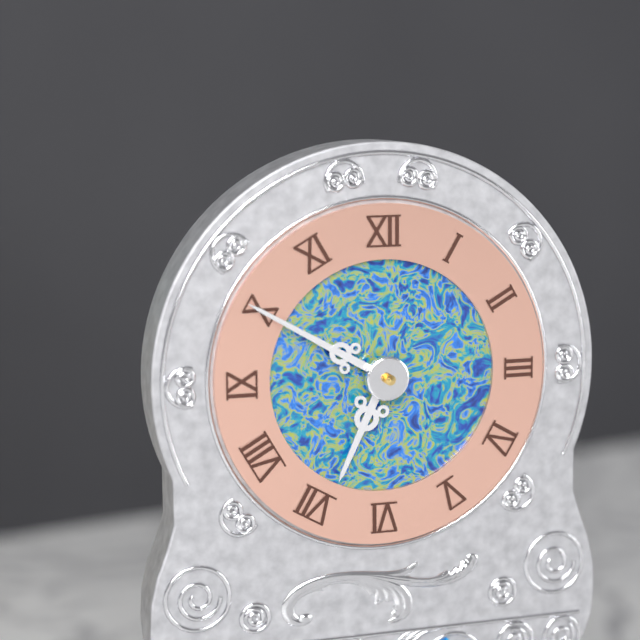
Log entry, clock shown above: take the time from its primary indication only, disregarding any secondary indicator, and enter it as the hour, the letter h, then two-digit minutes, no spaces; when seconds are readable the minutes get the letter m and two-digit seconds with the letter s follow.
6h50
